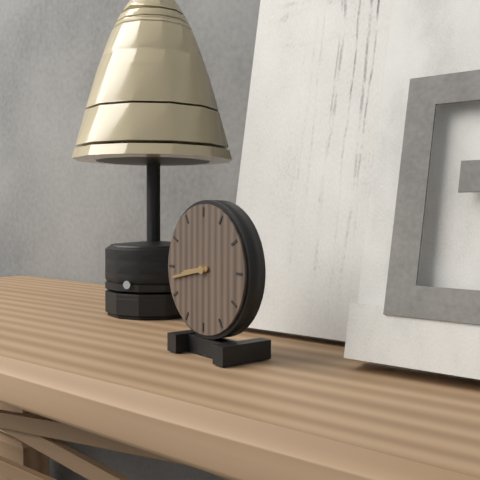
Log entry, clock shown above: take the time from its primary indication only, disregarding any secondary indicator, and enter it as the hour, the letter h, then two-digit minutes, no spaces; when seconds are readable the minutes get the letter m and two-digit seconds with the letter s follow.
8h43
